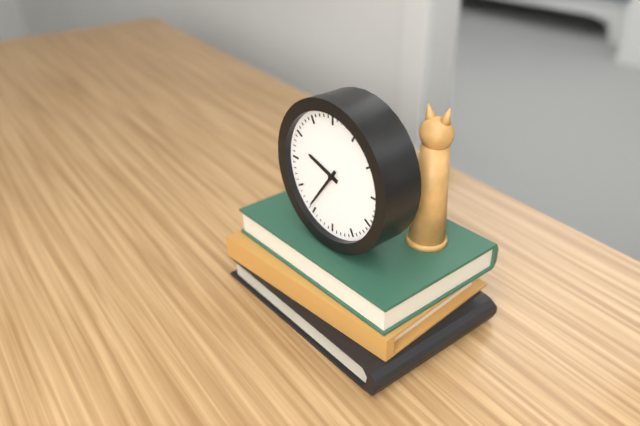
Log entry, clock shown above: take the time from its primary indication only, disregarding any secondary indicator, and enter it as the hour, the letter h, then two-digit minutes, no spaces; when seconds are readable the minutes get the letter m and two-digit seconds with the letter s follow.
9h36
